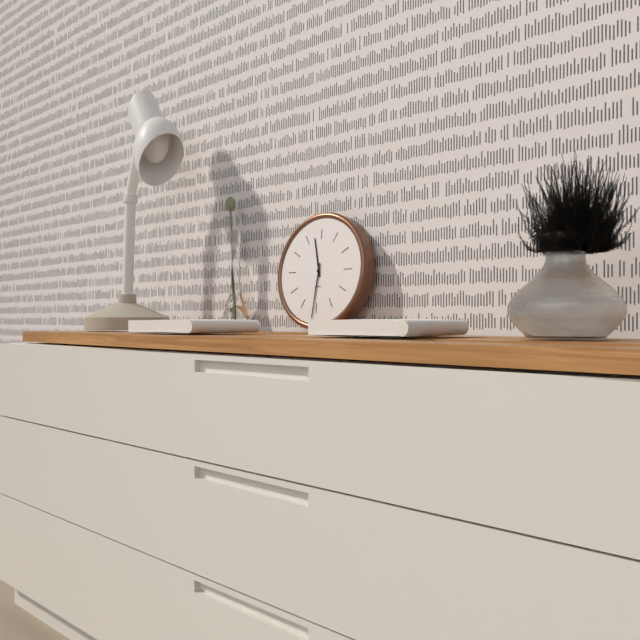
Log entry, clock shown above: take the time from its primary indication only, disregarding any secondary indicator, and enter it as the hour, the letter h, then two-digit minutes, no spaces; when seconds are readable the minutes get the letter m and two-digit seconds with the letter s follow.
11h31
